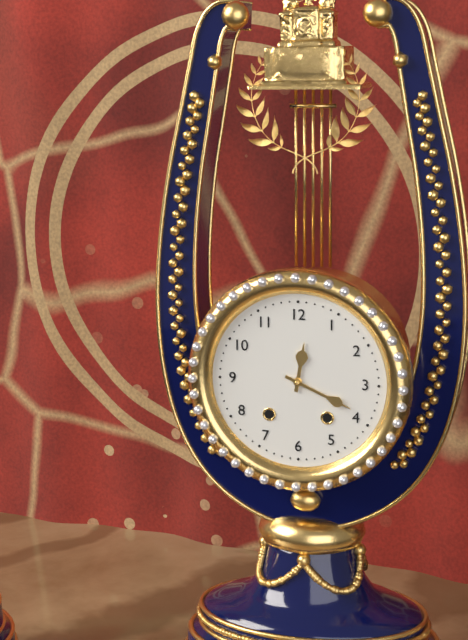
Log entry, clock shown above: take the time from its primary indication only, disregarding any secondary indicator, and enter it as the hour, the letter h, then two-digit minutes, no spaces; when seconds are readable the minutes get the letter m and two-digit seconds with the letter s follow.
12h19
